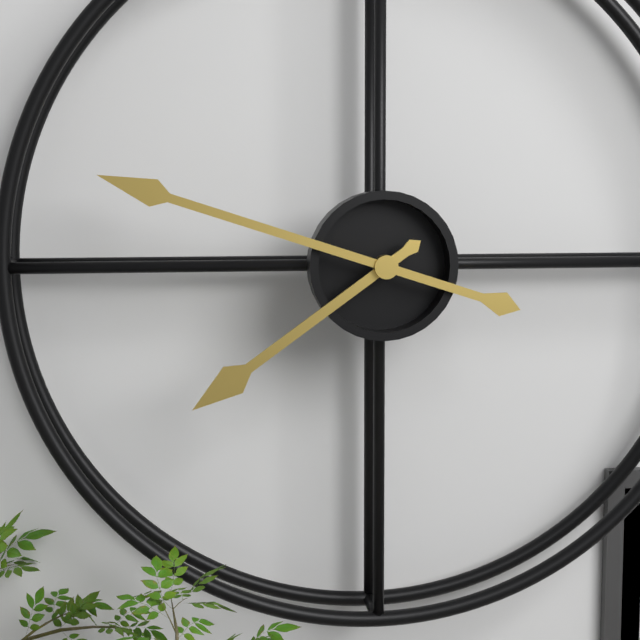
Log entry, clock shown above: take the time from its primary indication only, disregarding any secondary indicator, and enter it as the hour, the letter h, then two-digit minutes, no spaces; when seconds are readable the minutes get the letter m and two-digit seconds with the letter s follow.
7h48
